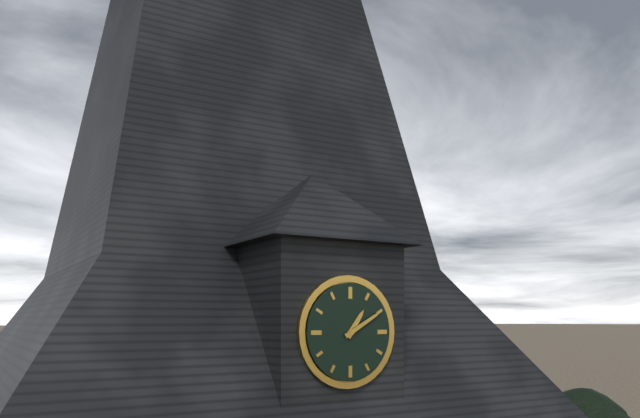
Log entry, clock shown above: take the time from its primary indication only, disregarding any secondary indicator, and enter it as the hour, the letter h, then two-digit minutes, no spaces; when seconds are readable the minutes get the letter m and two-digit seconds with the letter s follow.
1h10
